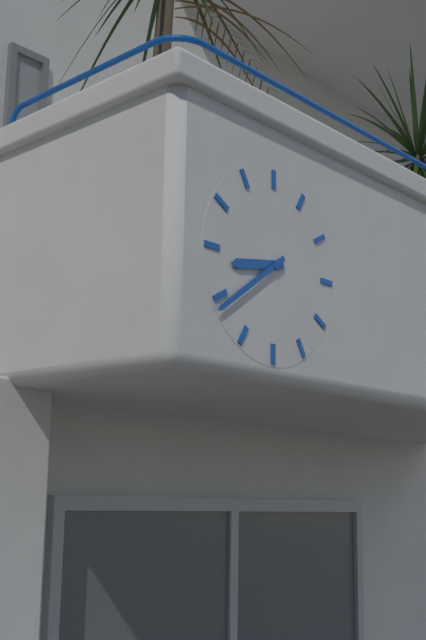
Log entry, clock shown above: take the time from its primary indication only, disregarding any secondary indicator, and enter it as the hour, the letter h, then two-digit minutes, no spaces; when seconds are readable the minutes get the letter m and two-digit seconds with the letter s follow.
8h39
